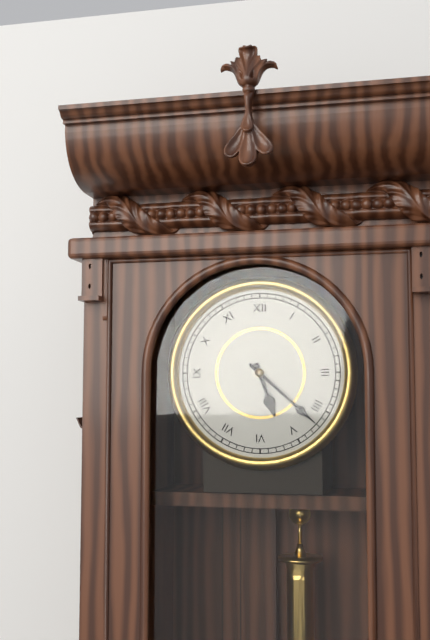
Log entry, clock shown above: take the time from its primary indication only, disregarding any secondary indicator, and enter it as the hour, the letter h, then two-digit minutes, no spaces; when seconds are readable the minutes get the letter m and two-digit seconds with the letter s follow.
5h22
